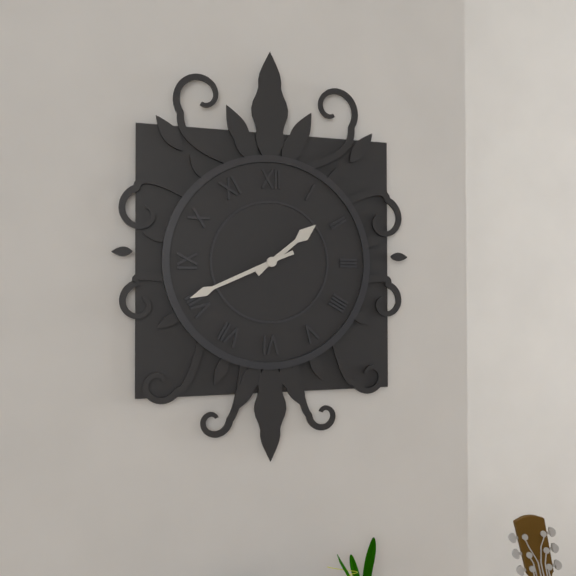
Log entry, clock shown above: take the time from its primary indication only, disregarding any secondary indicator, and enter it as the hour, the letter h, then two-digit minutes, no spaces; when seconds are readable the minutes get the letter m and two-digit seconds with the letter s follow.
1h41
